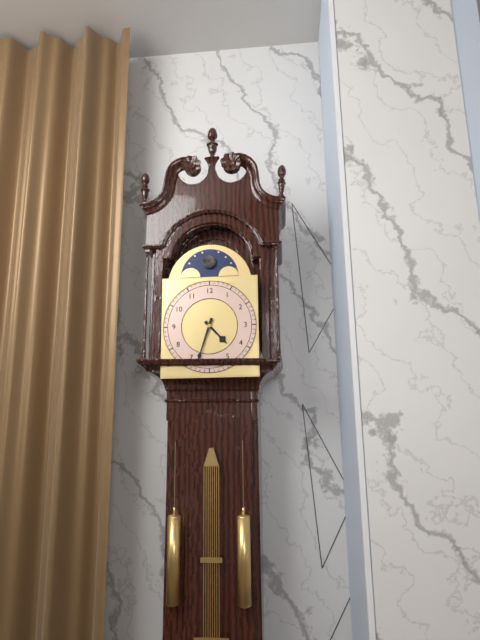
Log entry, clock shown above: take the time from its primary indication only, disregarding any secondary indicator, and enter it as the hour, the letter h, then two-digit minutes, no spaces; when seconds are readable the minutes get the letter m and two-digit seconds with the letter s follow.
4h33
